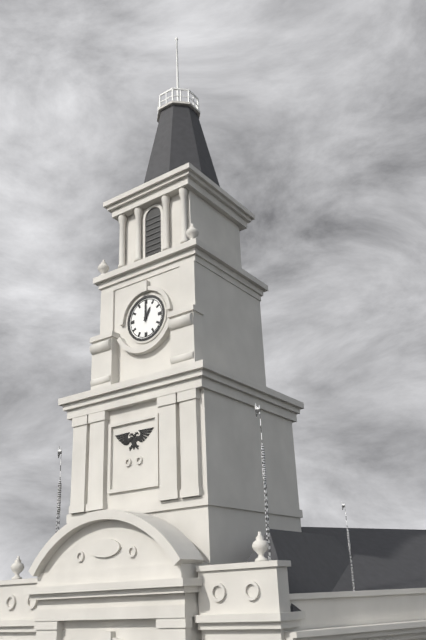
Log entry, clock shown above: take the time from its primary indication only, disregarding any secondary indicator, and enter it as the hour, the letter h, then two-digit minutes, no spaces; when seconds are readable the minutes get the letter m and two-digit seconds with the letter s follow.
1h00
